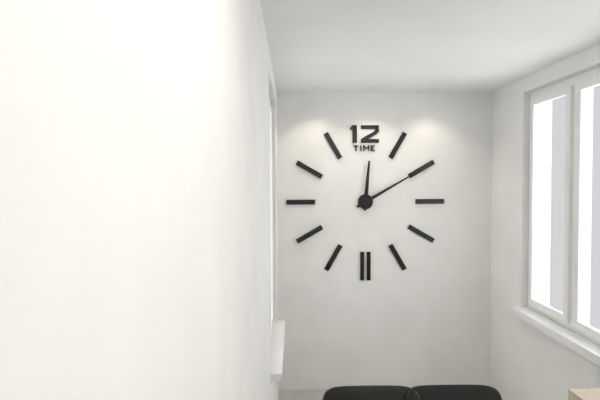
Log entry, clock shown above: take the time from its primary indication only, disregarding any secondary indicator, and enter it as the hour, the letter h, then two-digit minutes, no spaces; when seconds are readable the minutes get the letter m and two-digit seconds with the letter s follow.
12h10
